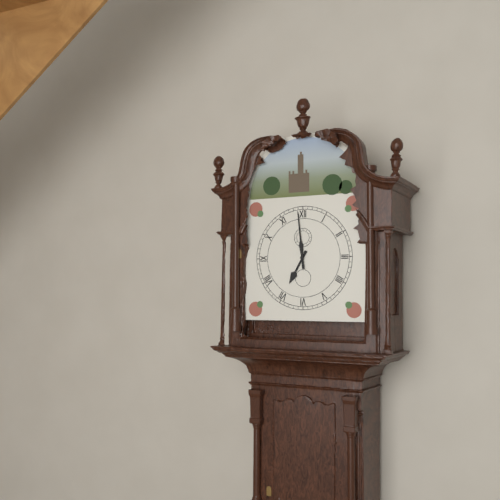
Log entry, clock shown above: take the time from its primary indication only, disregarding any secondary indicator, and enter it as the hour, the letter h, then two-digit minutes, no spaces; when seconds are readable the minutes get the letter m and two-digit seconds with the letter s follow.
6h59
